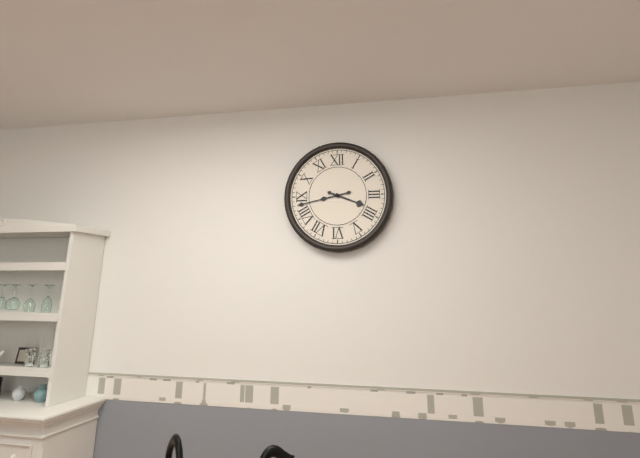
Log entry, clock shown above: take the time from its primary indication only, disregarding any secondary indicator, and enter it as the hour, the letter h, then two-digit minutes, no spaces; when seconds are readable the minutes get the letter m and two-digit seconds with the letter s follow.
3h43
